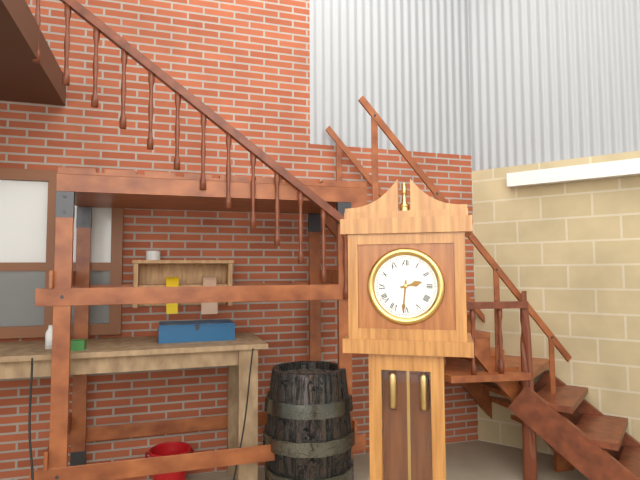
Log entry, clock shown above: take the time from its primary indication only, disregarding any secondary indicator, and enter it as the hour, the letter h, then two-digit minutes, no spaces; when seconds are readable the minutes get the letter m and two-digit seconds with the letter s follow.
2h31
